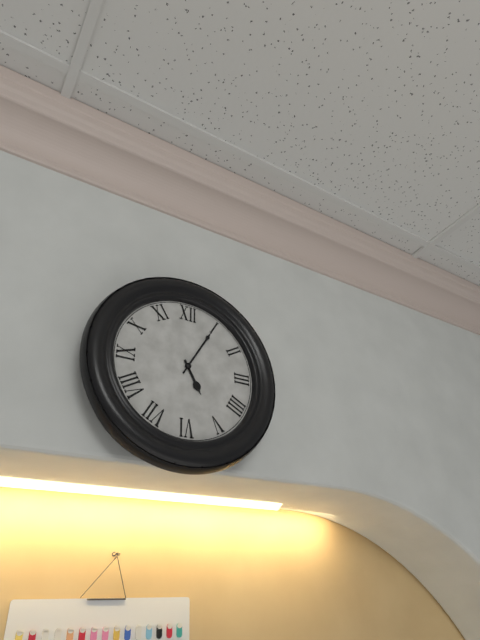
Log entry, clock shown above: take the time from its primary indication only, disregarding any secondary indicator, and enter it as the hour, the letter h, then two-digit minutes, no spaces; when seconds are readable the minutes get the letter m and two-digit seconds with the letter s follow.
5h05
